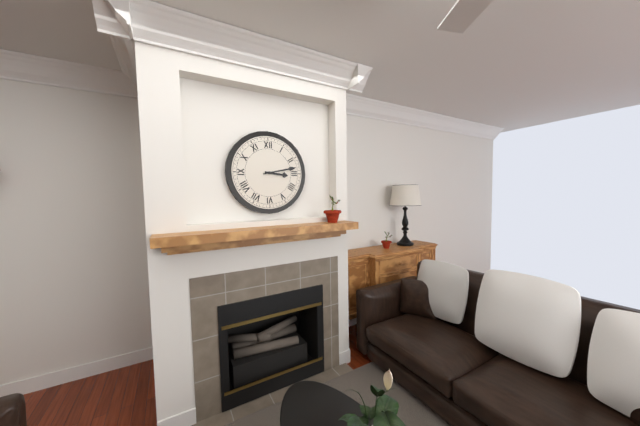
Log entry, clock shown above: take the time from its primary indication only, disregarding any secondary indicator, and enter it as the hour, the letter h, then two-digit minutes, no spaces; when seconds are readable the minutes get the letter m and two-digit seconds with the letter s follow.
3h13
